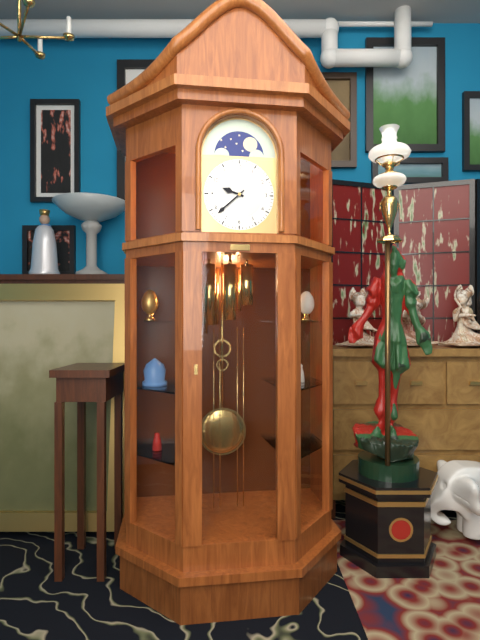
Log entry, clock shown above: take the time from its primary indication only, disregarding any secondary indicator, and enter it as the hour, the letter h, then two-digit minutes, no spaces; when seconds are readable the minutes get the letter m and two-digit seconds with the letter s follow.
9h38
